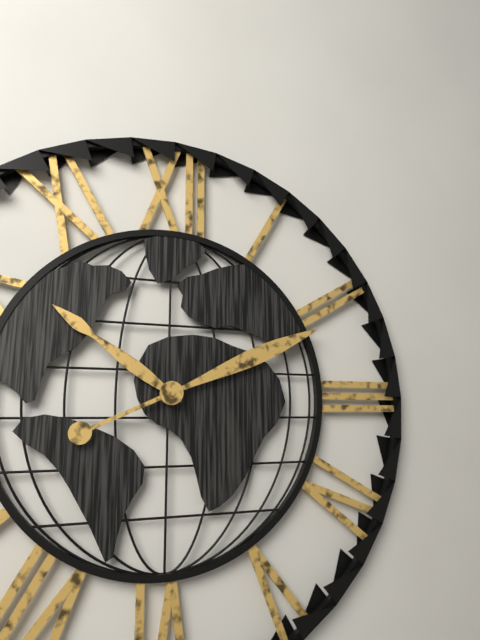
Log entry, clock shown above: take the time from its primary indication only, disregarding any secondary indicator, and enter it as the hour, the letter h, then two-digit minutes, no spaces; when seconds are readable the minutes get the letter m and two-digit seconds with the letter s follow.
10h11
